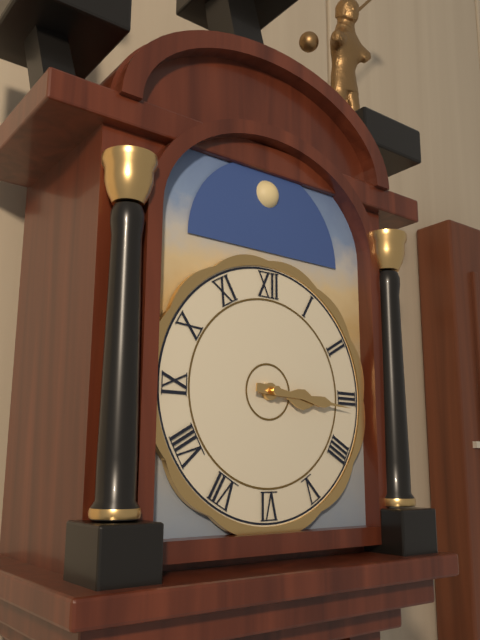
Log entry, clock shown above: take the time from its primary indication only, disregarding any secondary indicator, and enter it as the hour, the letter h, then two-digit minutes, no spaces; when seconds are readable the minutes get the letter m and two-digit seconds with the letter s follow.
3h16
